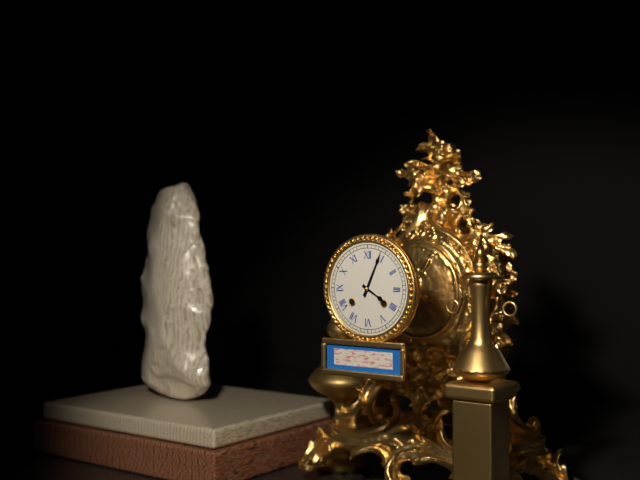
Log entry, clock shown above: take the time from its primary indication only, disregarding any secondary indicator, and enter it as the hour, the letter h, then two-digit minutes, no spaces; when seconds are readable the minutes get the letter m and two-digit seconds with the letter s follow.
4h04
